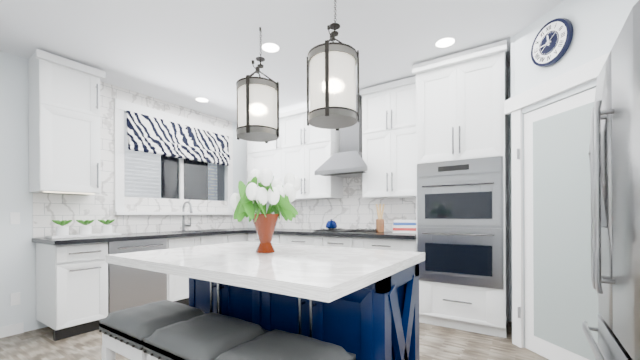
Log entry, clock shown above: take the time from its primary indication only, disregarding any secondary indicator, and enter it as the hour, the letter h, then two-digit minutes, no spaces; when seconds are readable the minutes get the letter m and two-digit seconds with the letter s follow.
11h45
